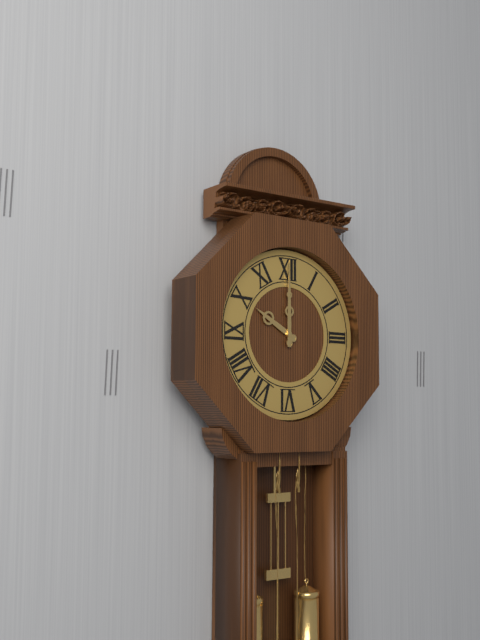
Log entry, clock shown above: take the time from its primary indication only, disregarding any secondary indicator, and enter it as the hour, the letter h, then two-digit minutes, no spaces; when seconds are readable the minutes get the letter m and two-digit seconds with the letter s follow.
10h00
